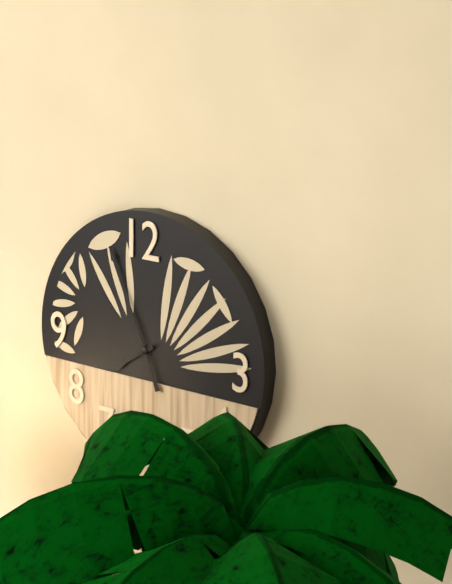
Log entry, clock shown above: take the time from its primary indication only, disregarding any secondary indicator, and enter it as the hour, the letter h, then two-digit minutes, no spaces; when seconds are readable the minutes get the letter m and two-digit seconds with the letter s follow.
7h56
